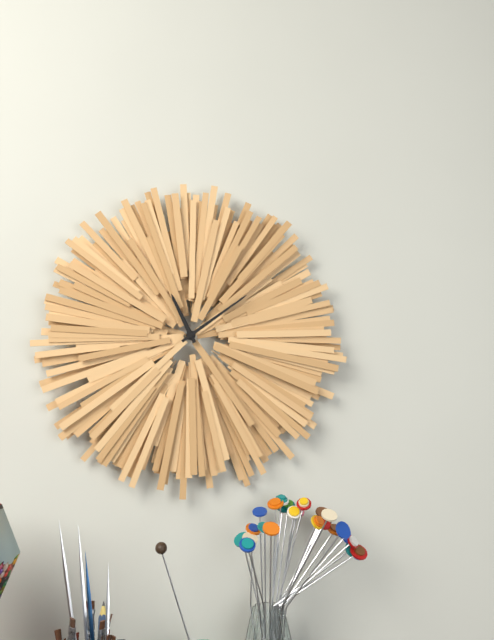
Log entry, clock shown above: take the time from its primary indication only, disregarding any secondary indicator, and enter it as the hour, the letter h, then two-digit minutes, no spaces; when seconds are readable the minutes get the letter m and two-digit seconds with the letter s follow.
11h09
